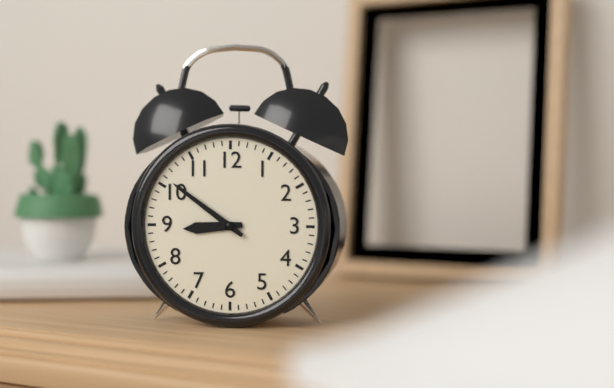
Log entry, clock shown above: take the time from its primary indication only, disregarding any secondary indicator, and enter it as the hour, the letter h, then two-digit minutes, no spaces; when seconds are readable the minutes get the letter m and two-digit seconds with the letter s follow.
8h51
